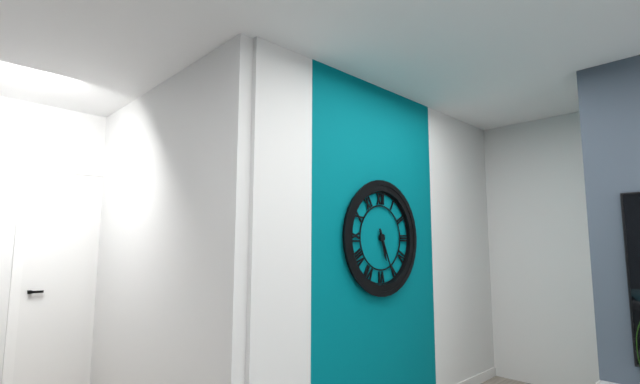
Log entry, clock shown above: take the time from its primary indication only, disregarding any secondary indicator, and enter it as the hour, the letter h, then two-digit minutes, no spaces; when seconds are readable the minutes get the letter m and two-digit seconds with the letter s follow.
5h26
